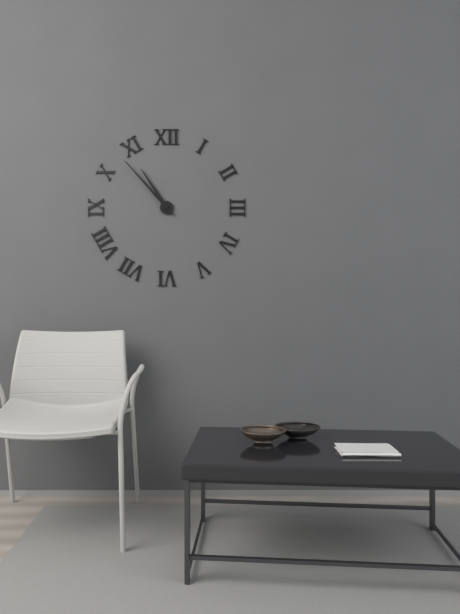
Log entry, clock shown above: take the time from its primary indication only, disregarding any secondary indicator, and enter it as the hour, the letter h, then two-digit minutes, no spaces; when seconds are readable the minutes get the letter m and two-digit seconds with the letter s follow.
10h53
